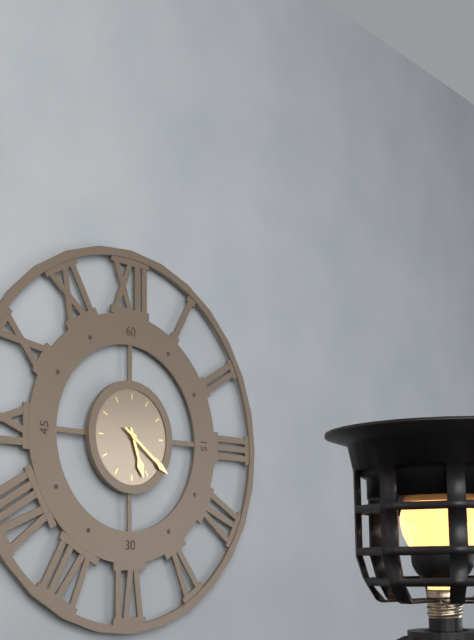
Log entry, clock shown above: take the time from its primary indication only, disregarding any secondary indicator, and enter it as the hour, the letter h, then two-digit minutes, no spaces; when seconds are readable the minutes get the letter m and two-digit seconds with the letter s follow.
5h21
